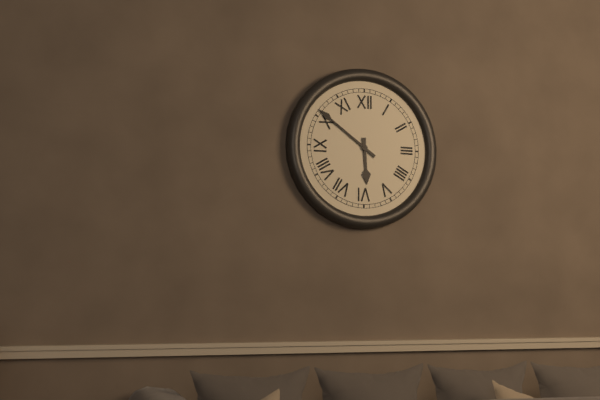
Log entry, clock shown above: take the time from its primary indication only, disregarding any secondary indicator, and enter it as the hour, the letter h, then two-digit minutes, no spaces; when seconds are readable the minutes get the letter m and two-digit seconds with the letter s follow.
5h51
